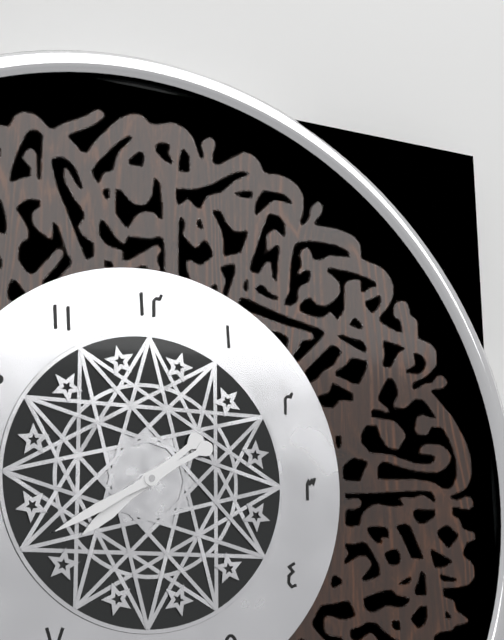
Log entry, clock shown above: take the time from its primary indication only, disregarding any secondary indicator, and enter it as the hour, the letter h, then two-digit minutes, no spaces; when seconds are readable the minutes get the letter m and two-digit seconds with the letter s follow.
7h40
